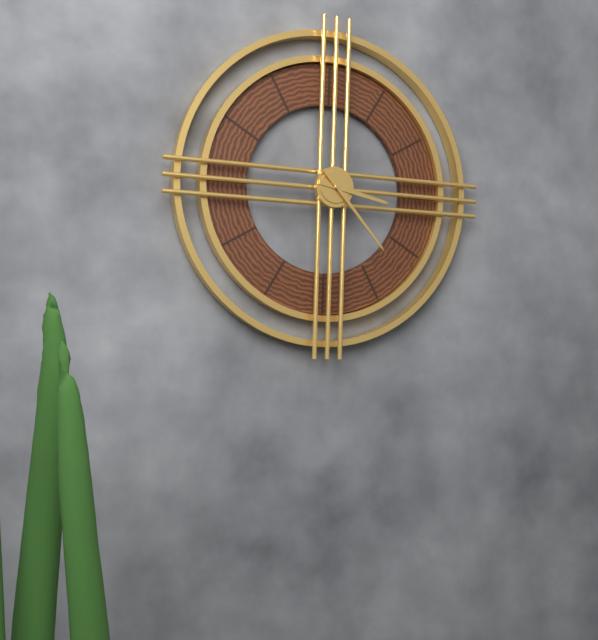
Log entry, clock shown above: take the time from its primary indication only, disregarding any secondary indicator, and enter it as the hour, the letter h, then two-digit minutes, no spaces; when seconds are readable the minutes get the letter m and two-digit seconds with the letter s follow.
3h23
